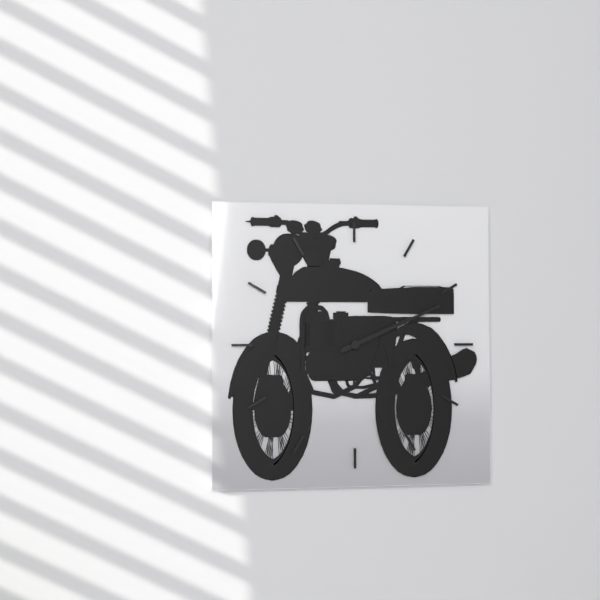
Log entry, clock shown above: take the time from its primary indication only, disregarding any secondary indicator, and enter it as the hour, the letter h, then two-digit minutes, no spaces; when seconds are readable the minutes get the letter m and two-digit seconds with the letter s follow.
2h11
